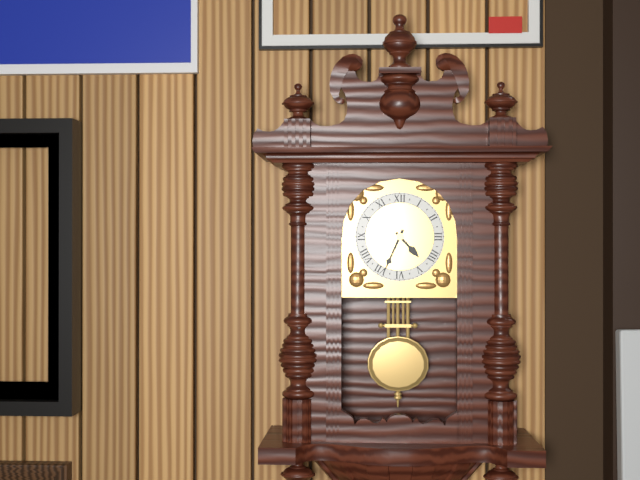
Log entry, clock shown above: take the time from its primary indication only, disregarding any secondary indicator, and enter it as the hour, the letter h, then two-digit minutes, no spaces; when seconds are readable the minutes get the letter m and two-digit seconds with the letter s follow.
4h34
